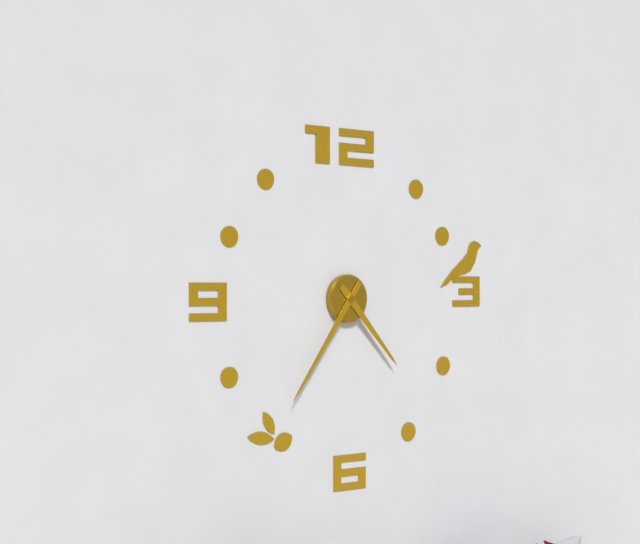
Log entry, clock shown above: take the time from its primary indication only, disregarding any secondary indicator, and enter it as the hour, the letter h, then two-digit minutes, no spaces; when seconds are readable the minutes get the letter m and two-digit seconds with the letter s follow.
4h36
